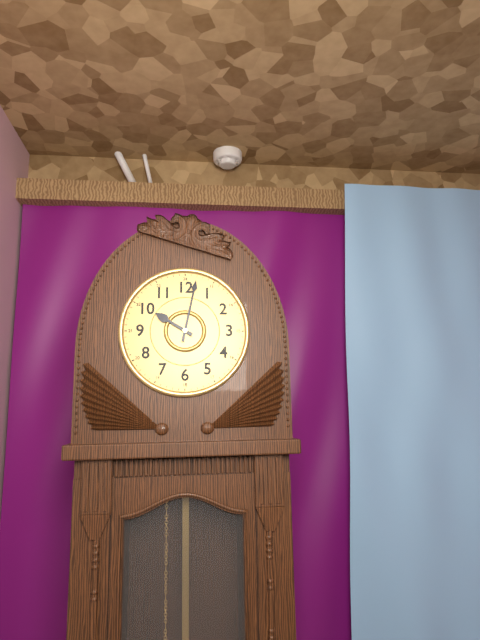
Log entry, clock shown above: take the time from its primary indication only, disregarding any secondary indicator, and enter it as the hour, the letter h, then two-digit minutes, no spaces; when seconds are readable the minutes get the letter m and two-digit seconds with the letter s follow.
10h02
